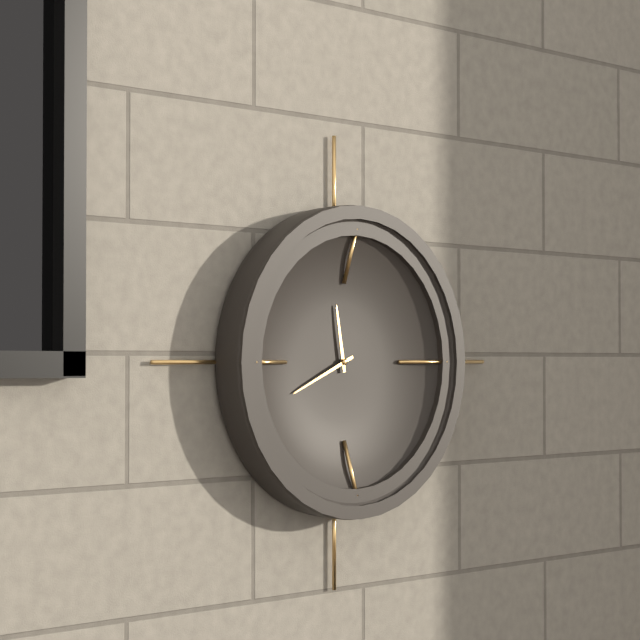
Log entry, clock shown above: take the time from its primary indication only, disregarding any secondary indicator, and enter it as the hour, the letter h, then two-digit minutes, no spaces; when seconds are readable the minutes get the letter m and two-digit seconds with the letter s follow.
11h41
